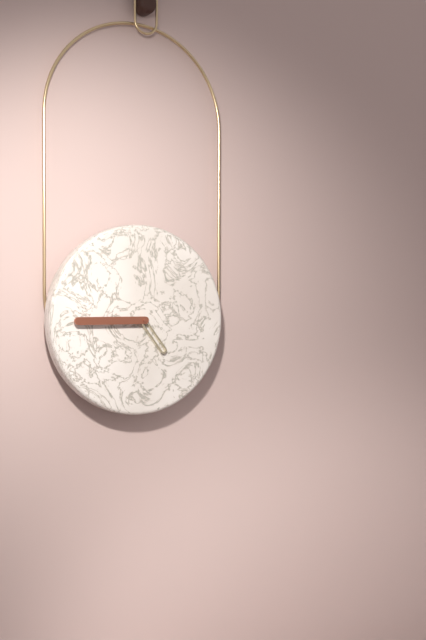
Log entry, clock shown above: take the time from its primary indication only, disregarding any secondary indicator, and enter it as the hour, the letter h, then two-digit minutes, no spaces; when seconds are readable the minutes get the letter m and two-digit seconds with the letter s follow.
4h45
